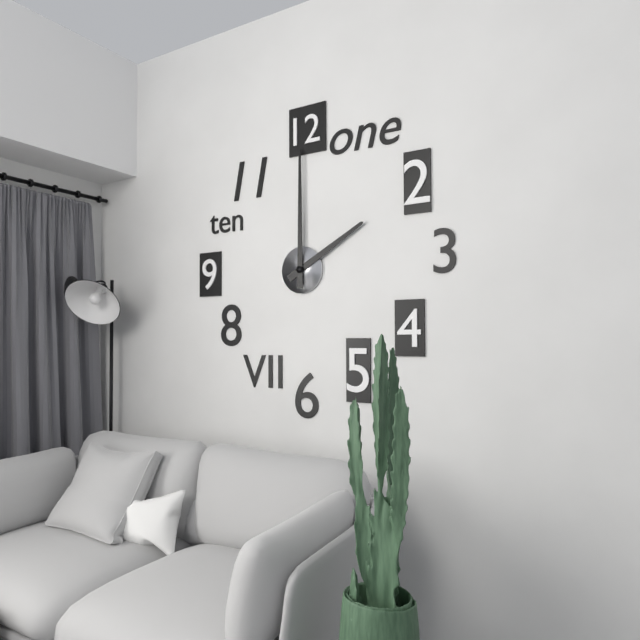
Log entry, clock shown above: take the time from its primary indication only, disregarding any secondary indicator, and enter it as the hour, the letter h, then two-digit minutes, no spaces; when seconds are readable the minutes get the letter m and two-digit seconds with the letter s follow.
2h00
